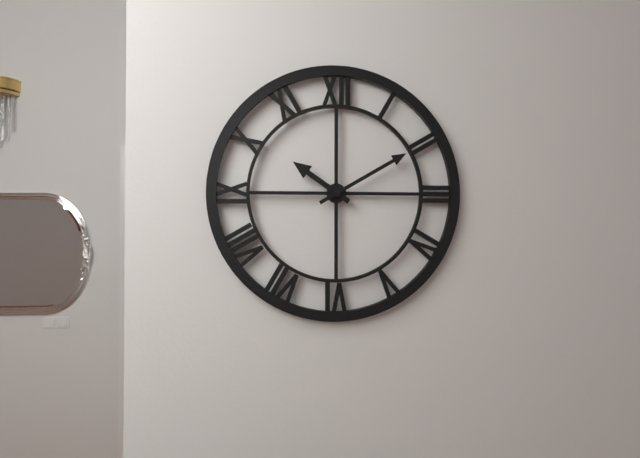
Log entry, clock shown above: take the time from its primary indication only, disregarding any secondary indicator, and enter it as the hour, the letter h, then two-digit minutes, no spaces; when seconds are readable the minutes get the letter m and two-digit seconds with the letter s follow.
10h10
